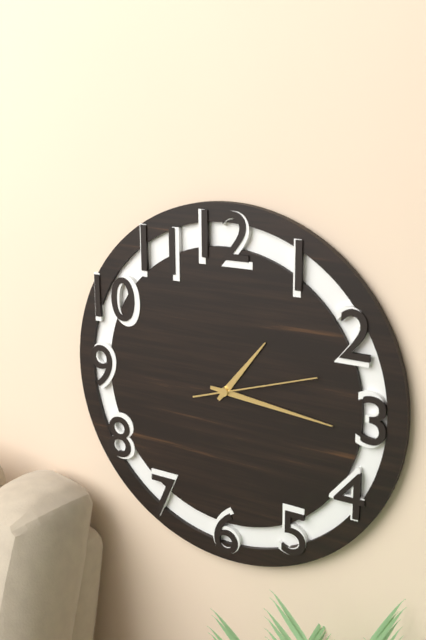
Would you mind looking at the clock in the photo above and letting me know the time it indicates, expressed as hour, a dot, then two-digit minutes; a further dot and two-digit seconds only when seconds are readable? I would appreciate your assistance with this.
1.16.12
